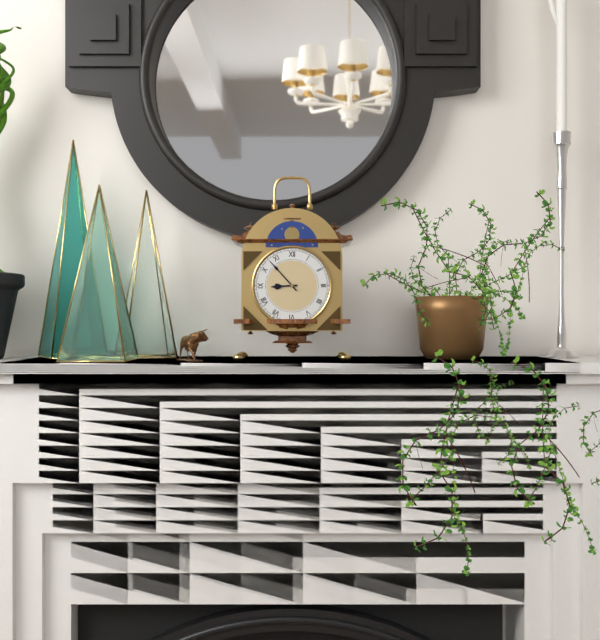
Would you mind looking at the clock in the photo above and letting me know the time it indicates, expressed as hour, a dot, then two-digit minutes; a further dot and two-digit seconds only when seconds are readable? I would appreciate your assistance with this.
8.53
